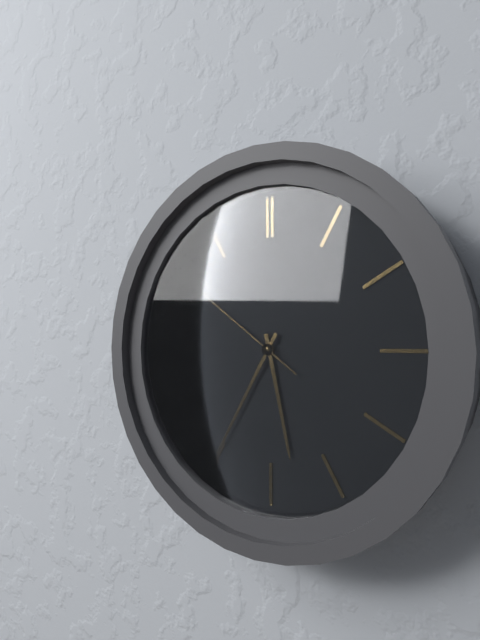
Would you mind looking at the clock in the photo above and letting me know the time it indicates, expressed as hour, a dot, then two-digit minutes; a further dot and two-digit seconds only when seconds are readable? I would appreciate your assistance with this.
5.35.51
